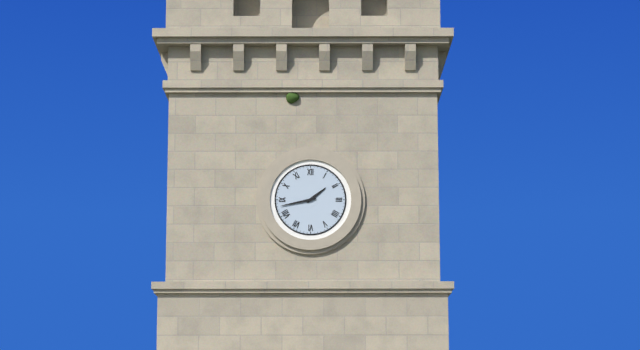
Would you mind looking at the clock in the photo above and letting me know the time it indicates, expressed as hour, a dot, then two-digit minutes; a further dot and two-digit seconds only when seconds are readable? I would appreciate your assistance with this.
1.43
